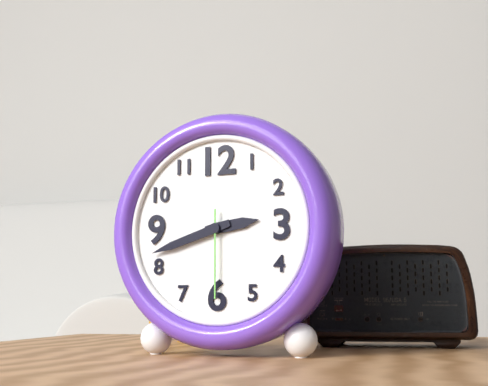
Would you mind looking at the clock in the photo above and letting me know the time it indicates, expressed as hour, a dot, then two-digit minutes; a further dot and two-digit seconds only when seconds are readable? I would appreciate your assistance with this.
2.42.30
